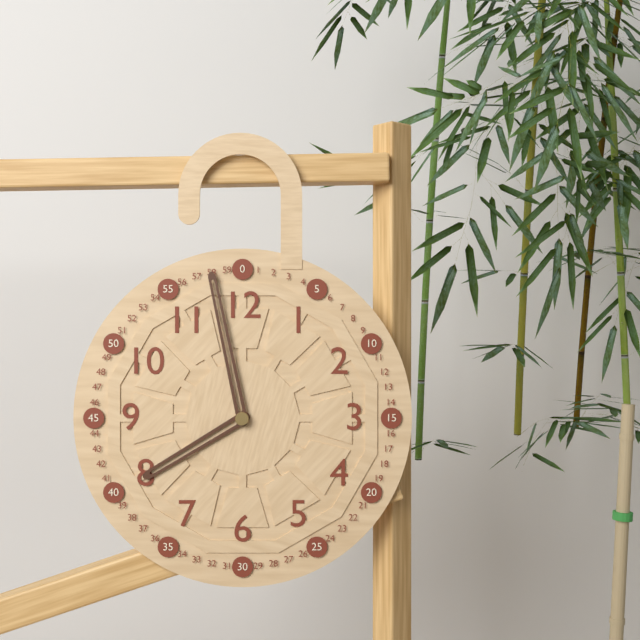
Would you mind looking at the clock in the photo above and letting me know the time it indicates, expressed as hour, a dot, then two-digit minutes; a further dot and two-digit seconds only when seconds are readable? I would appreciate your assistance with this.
7.58
